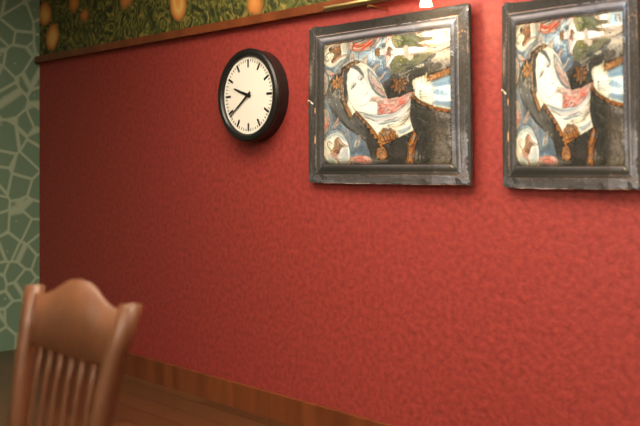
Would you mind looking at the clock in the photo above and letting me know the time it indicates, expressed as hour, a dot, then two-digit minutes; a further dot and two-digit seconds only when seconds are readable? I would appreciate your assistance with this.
9.39
